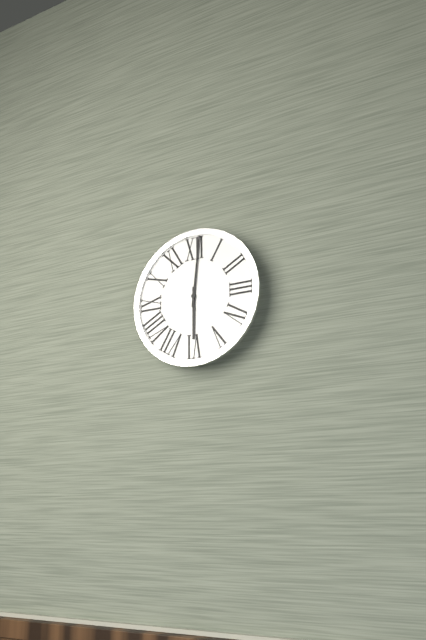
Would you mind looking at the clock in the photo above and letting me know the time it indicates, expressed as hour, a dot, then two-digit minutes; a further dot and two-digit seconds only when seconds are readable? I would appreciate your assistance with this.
6.01
